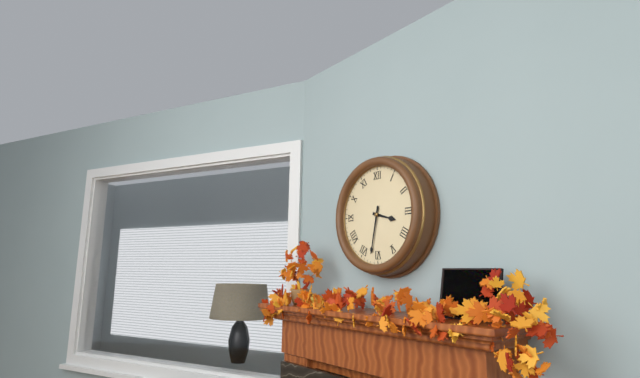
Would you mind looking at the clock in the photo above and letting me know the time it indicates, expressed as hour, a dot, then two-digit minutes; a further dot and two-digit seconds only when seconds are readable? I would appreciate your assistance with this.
3.32
